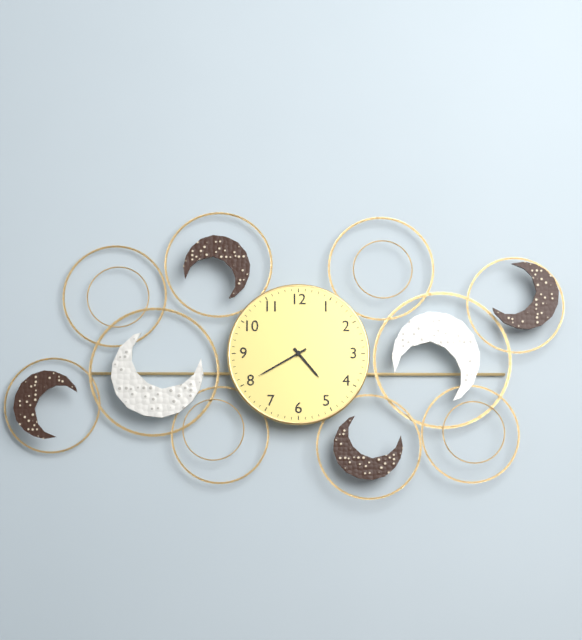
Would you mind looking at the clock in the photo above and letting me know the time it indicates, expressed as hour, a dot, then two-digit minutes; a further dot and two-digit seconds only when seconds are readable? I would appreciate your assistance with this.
4.40
